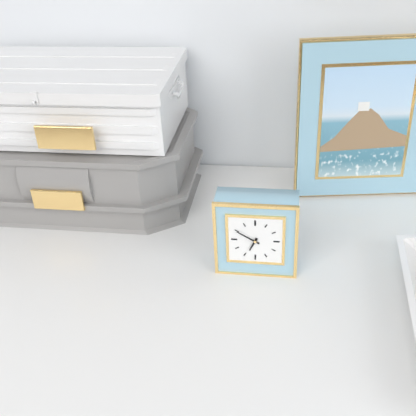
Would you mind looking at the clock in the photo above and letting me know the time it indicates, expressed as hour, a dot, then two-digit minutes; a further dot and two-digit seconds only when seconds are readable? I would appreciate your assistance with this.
6.50
